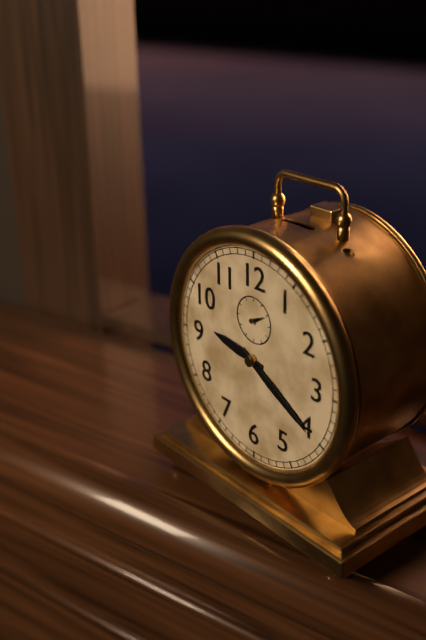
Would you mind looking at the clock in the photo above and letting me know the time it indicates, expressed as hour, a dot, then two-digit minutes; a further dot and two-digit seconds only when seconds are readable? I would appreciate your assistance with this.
9.20
